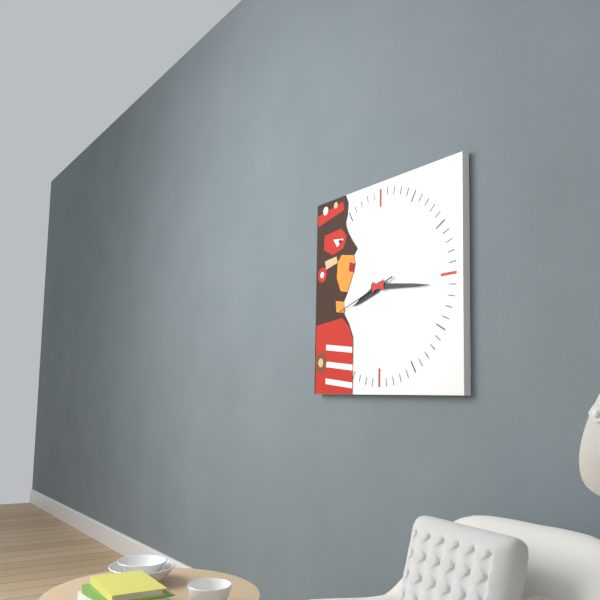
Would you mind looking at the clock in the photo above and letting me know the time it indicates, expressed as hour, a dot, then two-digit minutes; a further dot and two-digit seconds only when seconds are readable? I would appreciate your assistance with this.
8.16.42
